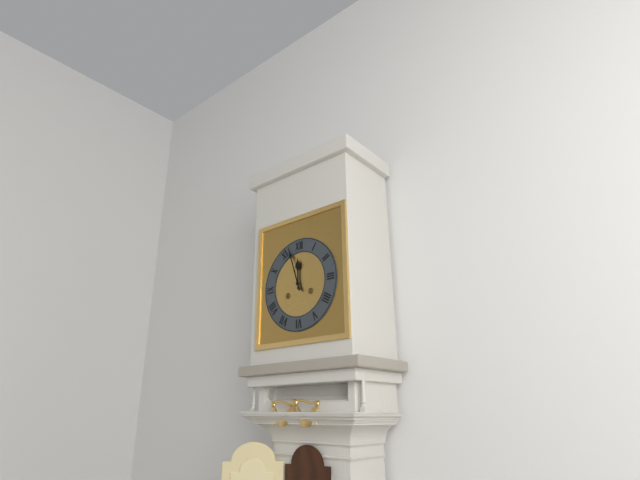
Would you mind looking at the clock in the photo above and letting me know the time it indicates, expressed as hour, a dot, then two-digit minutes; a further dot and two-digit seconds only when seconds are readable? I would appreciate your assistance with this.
11.57
